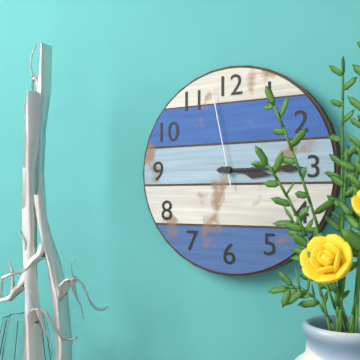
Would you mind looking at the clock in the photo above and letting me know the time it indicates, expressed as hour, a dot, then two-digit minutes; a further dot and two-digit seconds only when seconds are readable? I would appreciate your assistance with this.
3.15.58
